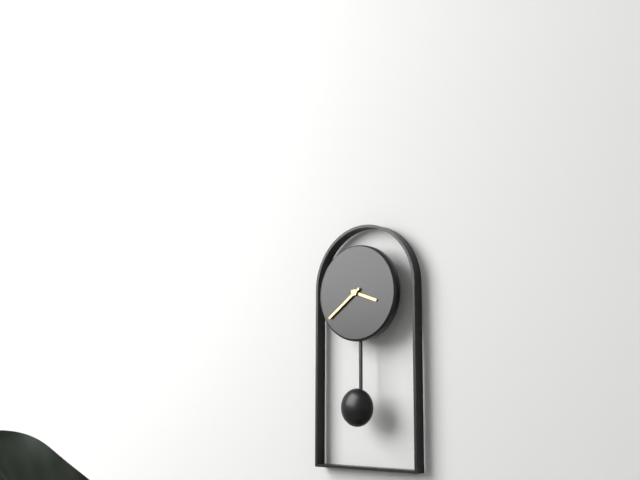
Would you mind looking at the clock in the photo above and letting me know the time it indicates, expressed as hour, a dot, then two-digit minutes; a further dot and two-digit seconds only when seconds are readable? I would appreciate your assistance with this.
3.39
